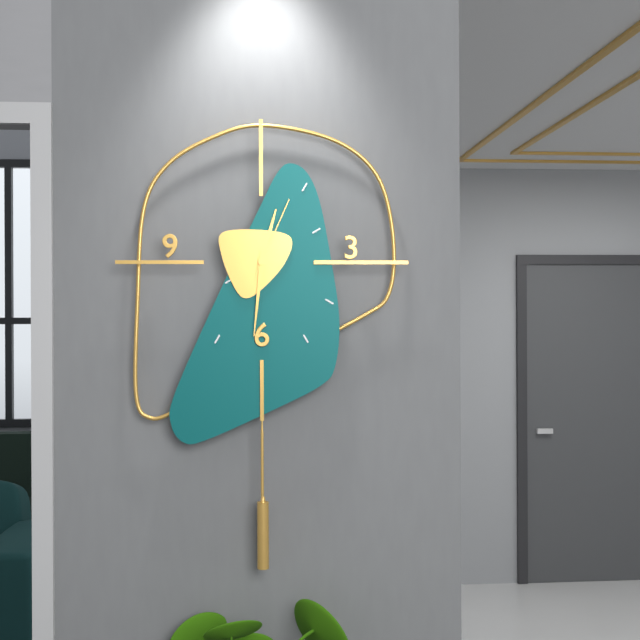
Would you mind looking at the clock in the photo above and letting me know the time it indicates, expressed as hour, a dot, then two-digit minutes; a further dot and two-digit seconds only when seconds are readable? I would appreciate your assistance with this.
12.31.04
